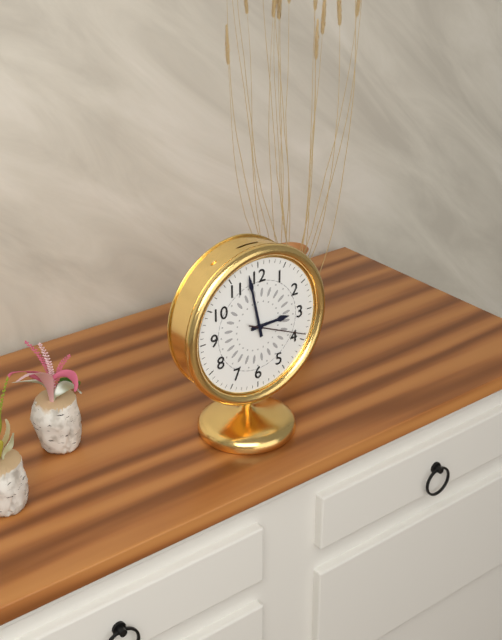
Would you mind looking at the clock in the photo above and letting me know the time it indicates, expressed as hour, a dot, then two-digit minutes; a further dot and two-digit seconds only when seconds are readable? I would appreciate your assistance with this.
2.58.19
